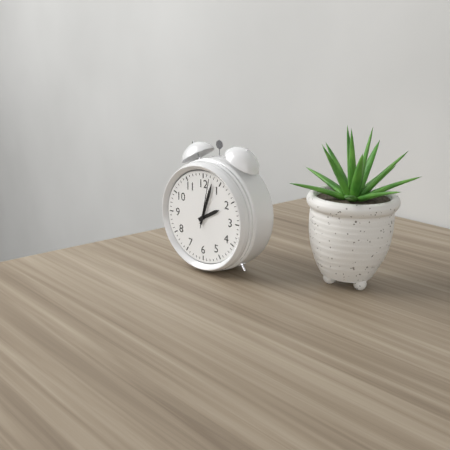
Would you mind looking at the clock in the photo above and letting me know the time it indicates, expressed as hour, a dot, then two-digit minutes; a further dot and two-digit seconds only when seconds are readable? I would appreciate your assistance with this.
2.03
